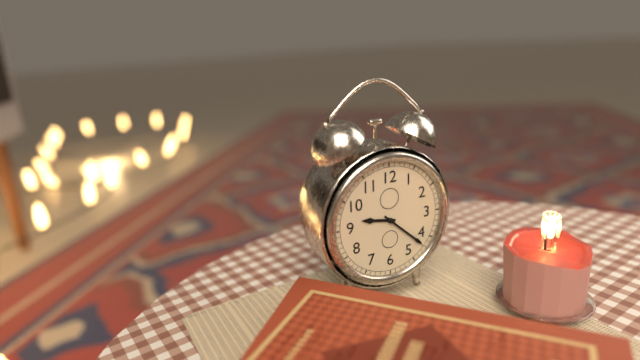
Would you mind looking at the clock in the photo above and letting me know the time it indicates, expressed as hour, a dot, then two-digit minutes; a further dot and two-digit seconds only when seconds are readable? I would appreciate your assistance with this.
9.22
